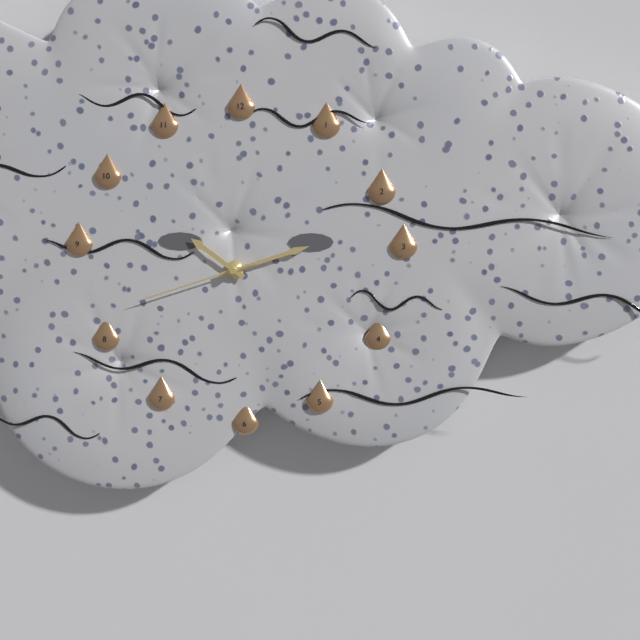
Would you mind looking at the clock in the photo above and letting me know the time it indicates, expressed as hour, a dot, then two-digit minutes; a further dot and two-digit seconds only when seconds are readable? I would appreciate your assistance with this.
10.12.42
